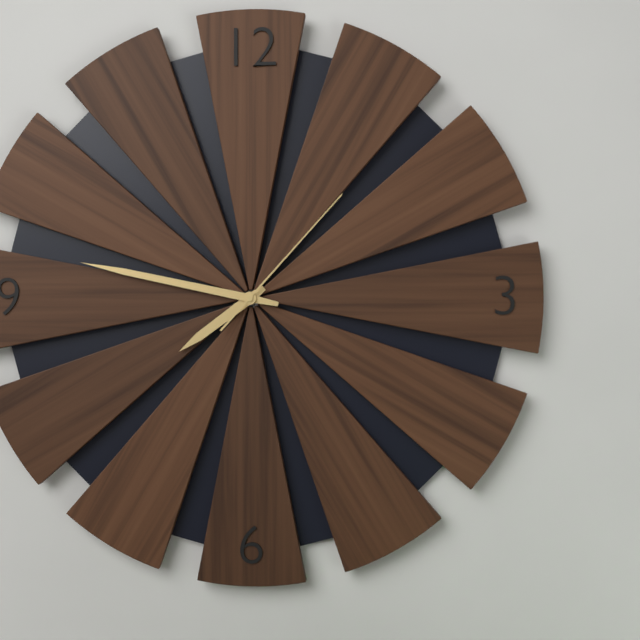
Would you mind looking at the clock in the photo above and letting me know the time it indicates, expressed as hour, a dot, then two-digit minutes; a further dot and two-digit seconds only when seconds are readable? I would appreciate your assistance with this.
7.47.07
